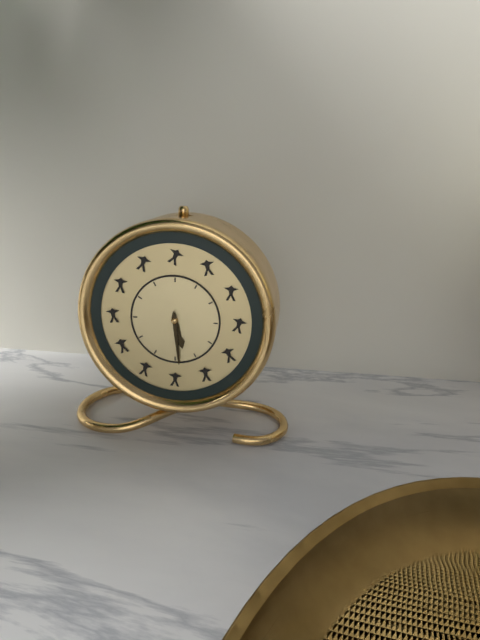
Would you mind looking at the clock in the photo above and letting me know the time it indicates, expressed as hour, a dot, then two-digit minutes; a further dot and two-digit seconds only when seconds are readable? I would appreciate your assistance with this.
5.29
